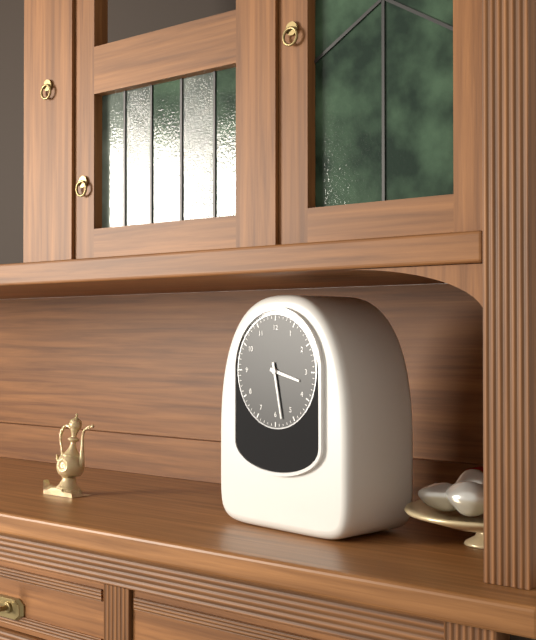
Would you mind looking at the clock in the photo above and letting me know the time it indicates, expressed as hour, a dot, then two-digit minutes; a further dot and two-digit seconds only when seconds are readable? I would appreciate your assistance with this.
3.28
